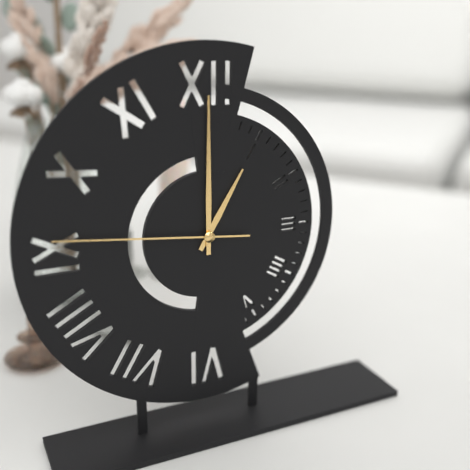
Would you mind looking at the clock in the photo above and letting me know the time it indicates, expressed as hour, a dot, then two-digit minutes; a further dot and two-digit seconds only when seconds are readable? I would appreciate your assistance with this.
1.00.46
